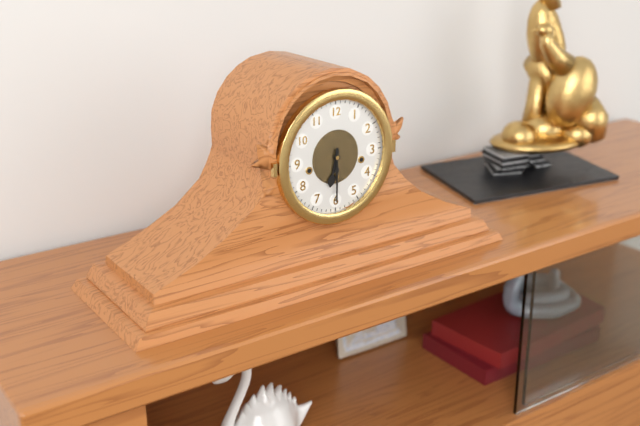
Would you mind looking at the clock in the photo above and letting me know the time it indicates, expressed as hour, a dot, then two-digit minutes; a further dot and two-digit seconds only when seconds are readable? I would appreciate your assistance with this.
6.30
